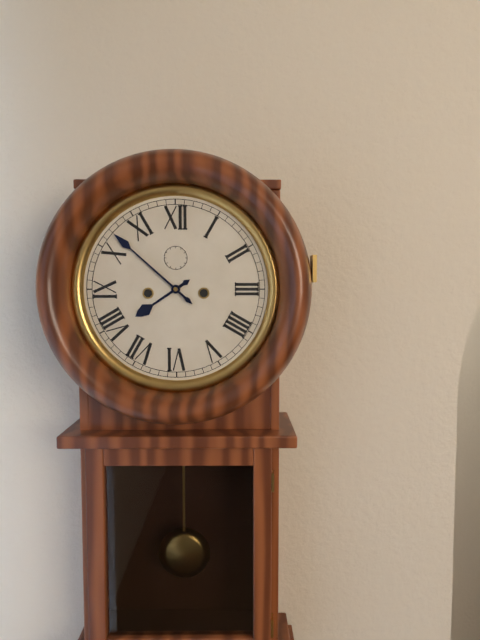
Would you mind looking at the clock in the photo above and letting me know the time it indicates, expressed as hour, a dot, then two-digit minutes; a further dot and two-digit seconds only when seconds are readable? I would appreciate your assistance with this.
7.52
